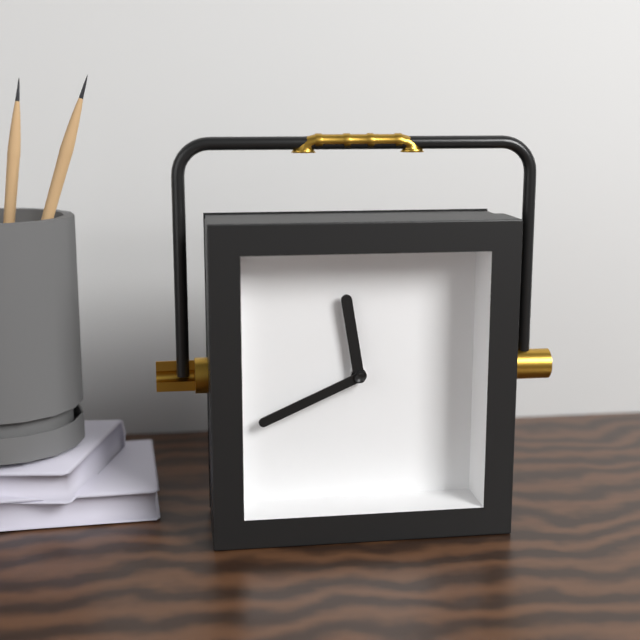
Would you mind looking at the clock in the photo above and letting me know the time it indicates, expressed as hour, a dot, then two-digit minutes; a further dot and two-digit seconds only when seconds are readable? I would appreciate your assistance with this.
11.41
